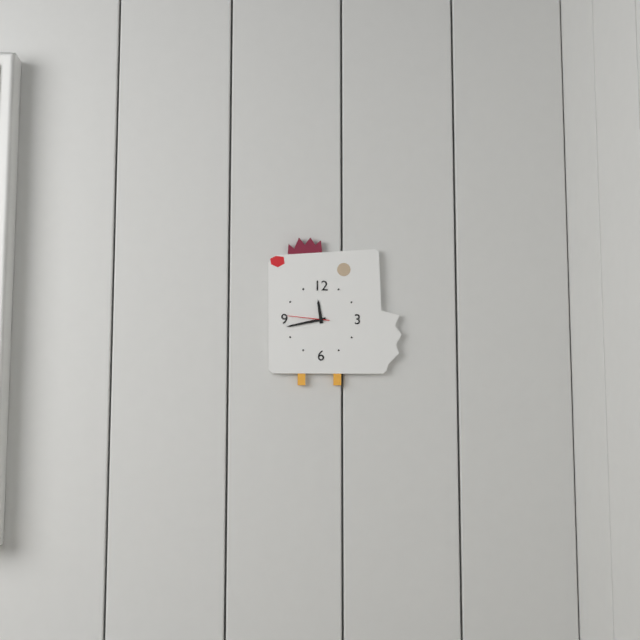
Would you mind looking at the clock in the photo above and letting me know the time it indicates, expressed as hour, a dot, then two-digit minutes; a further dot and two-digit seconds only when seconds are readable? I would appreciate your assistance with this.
11.43
